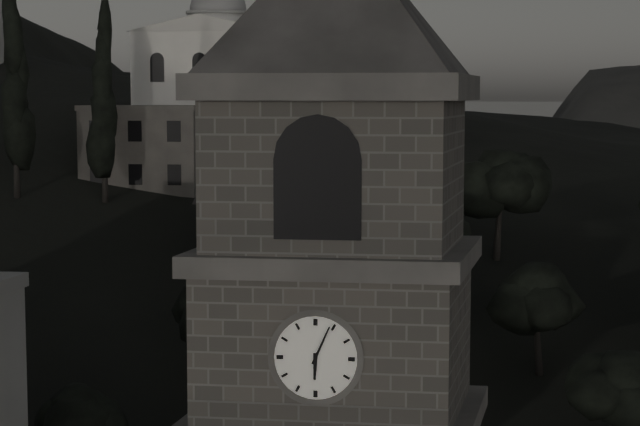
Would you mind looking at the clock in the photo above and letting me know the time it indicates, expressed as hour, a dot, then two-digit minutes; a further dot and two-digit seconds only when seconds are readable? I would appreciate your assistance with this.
6.04
